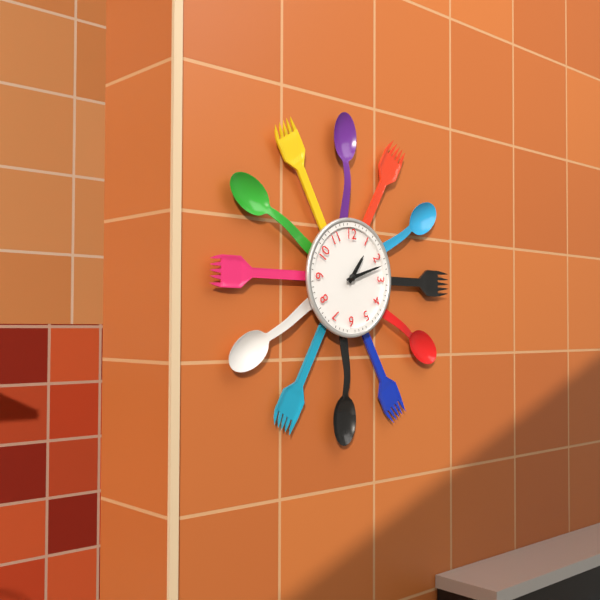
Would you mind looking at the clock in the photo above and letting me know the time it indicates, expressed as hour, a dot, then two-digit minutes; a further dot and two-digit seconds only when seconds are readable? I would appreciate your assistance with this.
1.12
